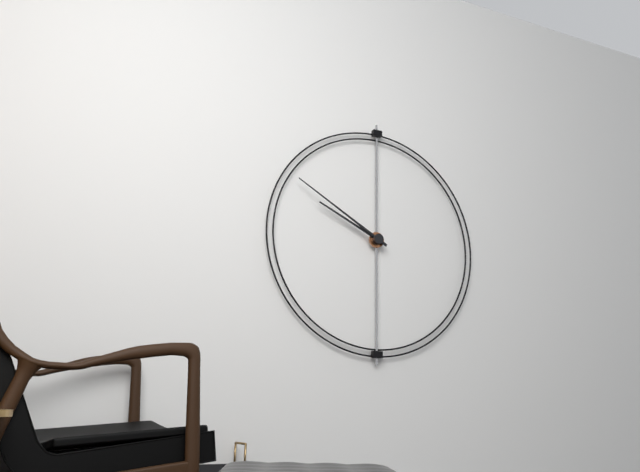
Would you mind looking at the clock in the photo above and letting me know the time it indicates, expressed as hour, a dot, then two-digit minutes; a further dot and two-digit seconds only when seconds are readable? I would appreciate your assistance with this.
9.50
